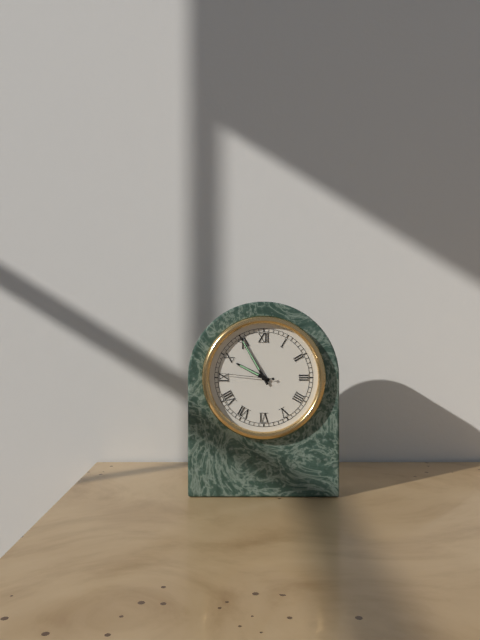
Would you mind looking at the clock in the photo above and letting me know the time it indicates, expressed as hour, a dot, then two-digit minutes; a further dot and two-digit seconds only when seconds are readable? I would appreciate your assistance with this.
9.55.46
